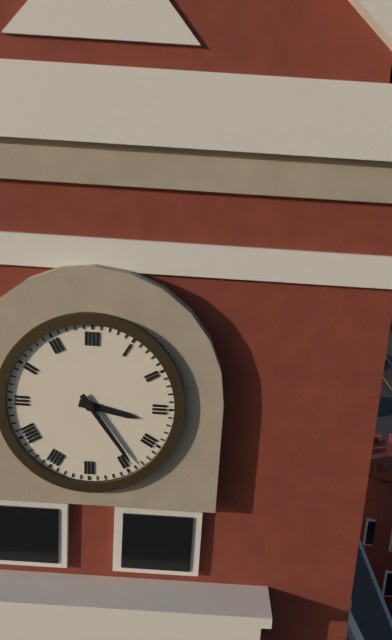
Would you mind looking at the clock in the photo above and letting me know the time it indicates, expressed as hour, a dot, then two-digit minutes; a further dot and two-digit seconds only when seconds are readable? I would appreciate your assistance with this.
3.24
